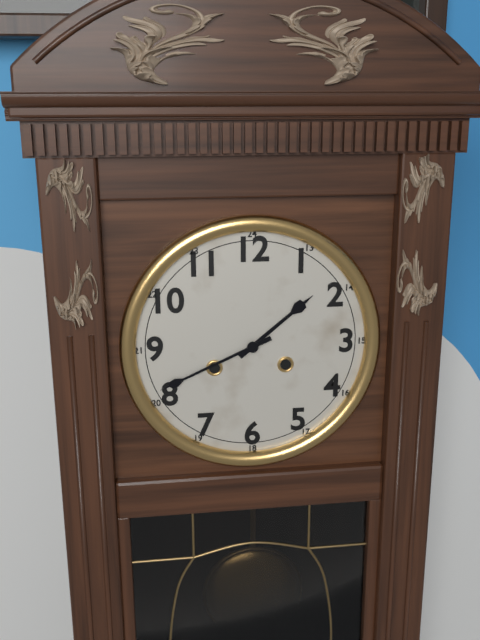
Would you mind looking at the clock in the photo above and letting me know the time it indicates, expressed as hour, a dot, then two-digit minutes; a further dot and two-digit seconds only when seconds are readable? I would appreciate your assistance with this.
1.41
